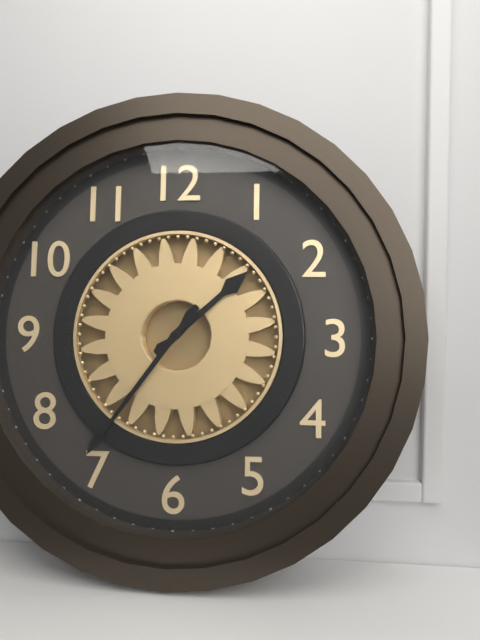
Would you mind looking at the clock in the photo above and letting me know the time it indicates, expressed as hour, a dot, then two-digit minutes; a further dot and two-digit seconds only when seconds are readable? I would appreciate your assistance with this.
1.36
